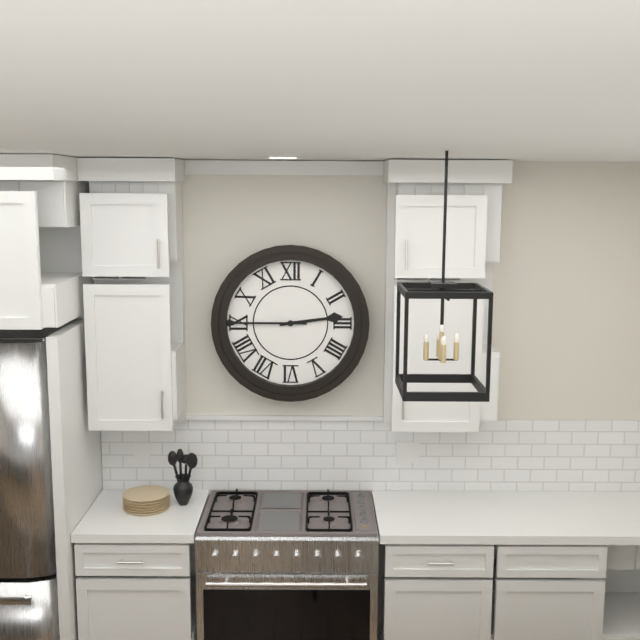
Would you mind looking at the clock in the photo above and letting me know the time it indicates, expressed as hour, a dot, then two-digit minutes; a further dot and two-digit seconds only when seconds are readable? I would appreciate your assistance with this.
2.45
